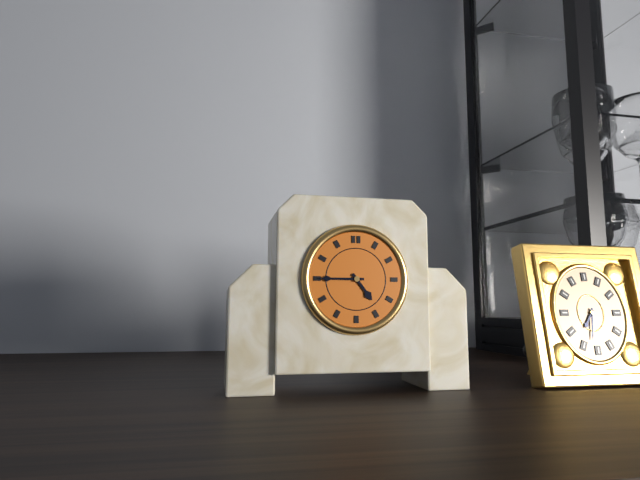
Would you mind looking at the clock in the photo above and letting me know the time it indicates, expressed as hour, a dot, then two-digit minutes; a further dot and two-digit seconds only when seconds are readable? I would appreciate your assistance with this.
4.45
